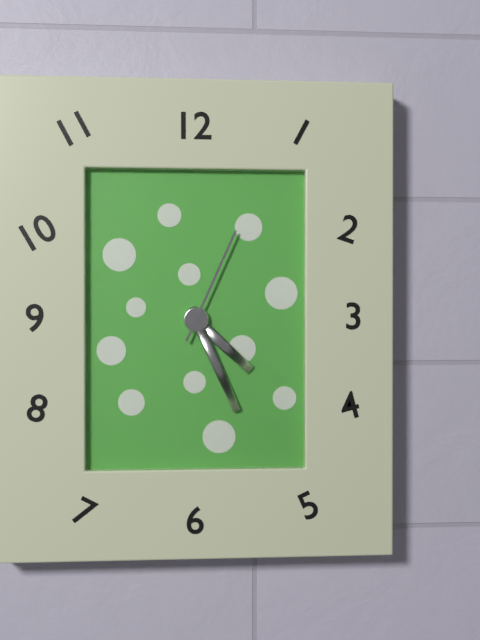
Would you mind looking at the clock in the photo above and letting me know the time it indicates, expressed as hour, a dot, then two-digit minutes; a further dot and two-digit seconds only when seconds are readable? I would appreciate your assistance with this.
4.26.04
